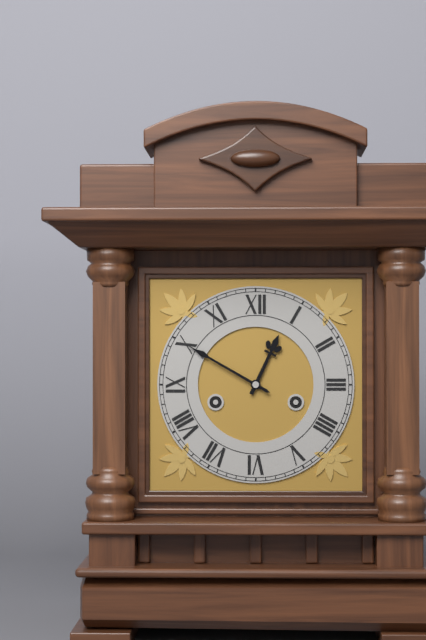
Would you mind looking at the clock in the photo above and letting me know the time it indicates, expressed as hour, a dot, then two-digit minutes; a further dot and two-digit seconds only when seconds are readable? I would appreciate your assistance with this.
12.50
